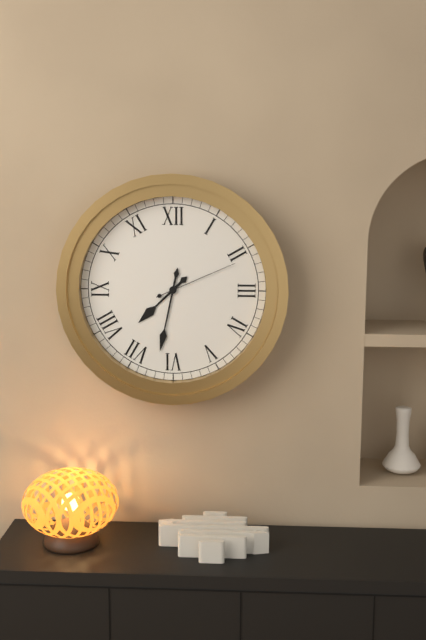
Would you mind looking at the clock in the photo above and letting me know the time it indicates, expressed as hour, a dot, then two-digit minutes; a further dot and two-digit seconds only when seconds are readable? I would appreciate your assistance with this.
7.32.11
